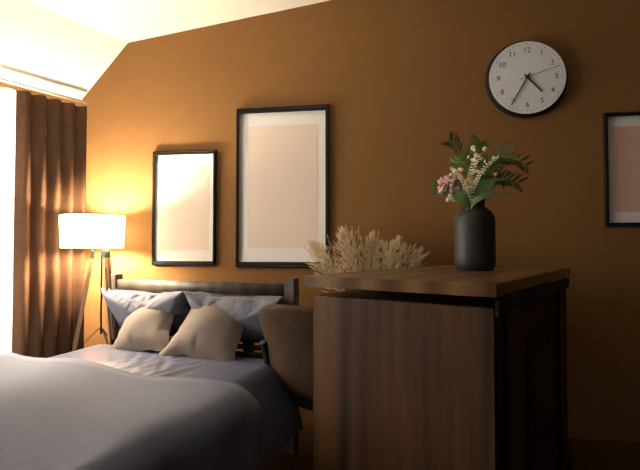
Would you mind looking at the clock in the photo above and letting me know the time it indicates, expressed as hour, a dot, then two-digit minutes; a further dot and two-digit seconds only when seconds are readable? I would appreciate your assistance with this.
4.35
